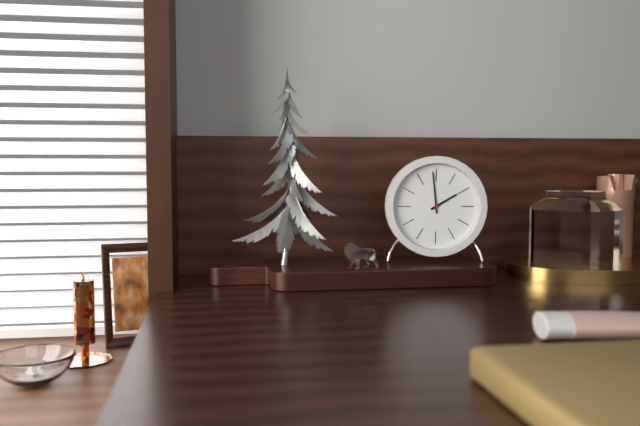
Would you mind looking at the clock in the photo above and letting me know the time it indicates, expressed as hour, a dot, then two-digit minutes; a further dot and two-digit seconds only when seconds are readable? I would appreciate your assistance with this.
1.59
